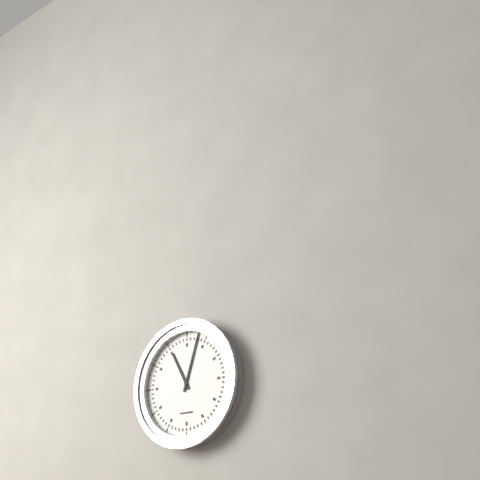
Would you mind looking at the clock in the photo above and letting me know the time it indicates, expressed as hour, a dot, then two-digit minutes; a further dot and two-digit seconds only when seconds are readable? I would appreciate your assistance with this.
11.03
